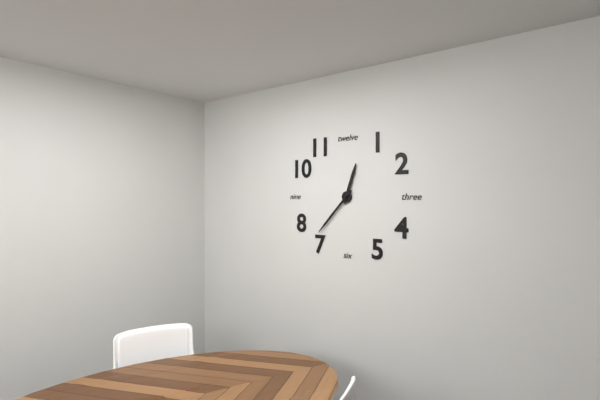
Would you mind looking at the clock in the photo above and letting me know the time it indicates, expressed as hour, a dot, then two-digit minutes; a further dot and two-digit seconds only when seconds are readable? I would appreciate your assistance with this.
12.37
